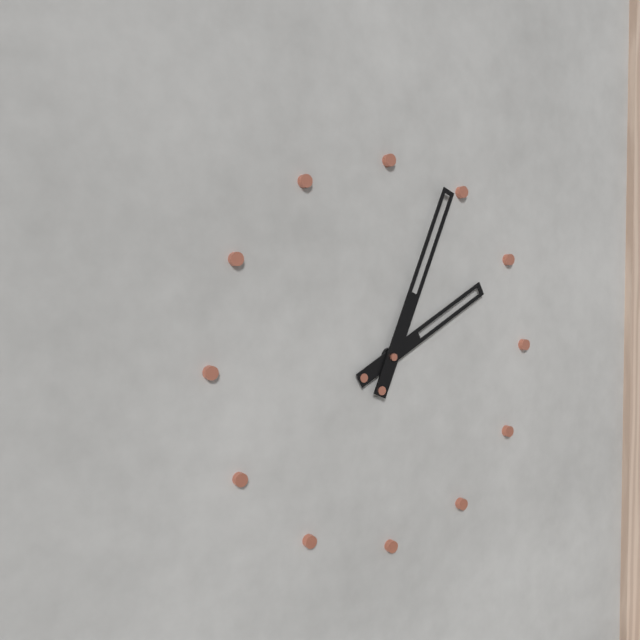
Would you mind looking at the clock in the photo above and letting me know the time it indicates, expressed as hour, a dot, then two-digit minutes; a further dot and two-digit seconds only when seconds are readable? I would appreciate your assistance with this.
2.04
